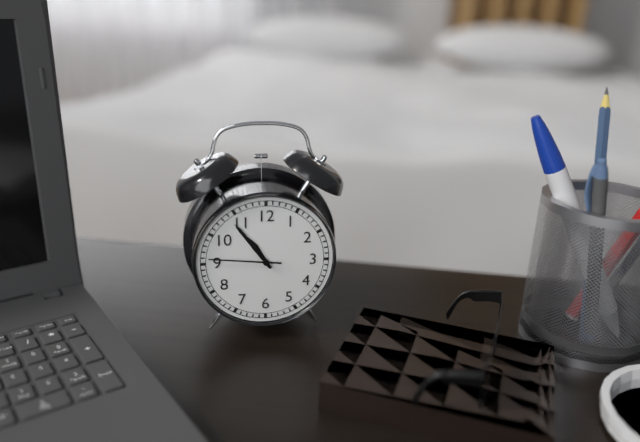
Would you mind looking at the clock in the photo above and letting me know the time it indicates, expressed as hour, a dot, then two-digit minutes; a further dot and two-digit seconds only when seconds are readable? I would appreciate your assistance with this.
10.54.46
